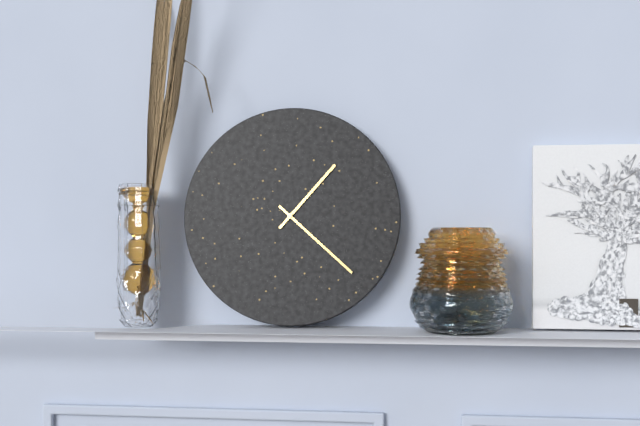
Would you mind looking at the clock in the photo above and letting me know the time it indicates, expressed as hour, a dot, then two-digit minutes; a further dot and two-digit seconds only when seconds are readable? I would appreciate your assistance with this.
1.22
